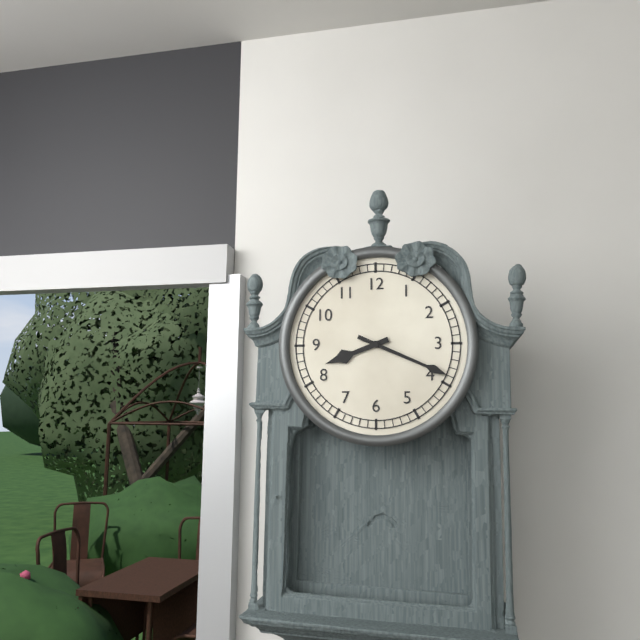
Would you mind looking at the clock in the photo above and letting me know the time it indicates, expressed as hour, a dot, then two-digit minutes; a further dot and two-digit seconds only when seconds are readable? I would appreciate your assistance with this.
8.19
